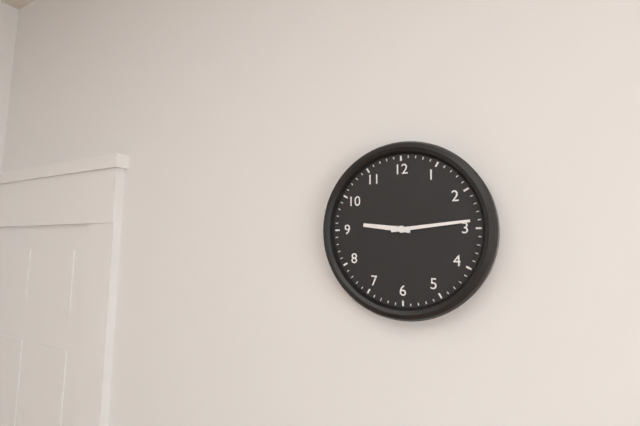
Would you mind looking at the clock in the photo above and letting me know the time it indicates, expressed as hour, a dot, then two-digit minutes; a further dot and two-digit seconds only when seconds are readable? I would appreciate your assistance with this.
9.14
